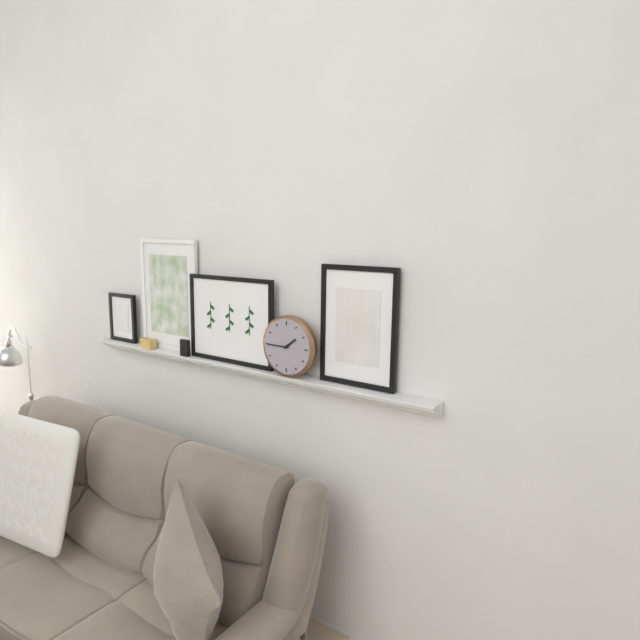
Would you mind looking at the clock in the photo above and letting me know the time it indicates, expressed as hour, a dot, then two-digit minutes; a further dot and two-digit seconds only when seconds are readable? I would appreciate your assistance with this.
1.45
